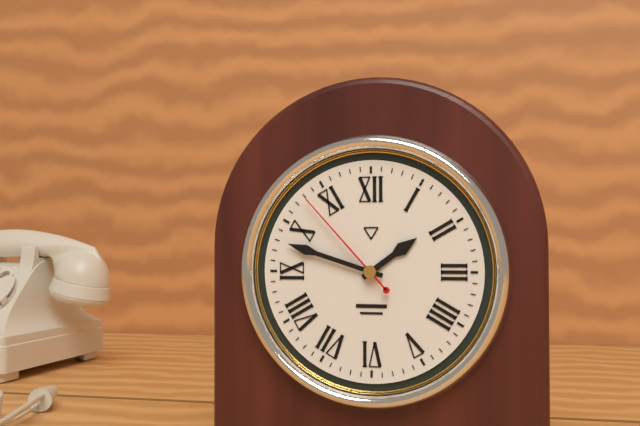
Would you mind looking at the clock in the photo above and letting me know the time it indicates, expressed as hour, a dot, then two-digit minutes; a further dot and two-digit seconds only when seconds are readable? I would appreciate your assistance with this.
1.48.53
